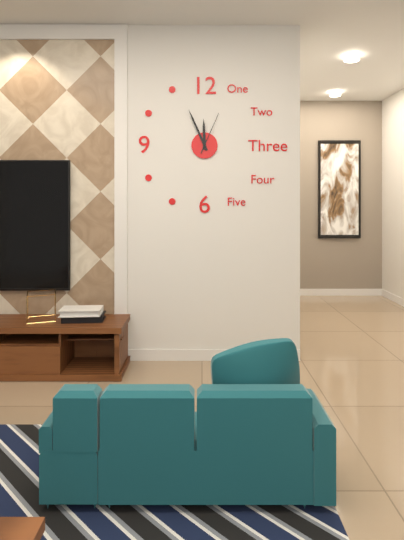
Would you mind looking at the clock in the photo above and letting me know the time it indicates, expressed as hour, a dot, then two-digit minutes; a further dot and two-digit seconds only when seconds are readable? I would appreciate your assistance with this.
11.56
